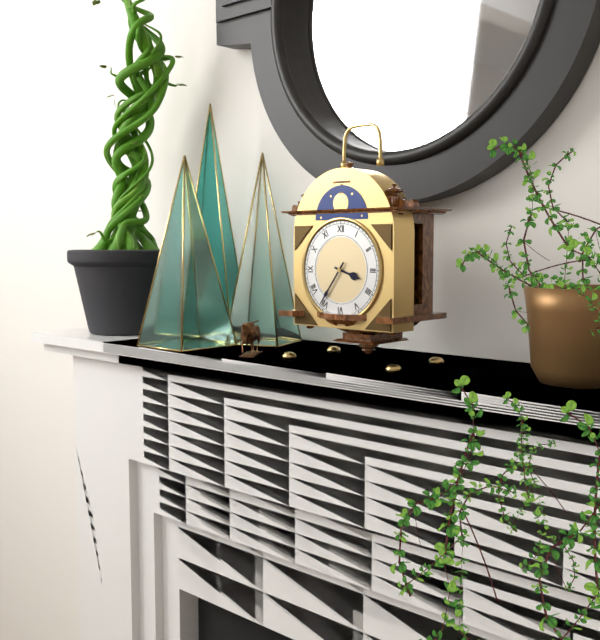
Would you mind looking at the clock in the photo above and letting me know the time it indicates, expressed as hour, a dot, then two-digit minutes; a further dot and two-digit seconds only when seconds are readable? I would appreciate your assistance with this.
3.36
